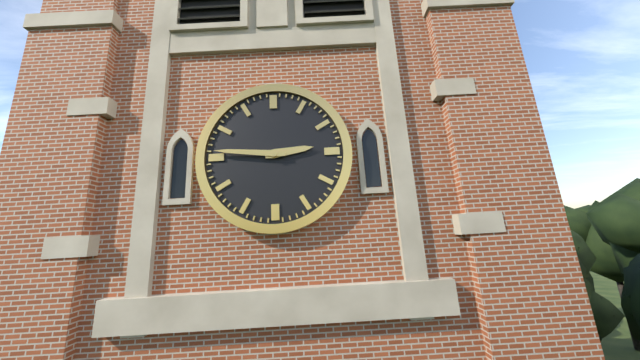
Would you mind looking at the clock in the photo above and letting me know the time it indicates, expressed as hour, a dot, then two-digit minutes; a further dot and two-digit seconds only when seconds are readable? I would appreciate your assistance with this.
2.46
